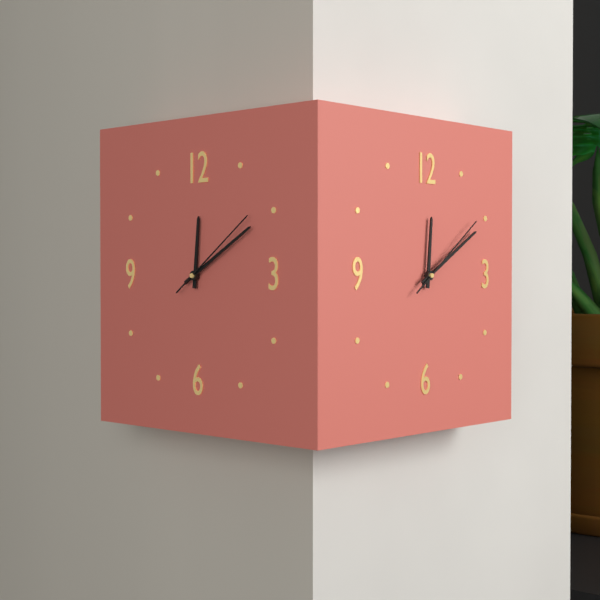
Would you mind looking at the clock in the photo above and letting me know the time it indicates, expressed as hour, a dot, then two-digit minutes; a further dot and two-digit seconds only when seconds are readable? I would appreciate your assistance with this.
12.10.09
